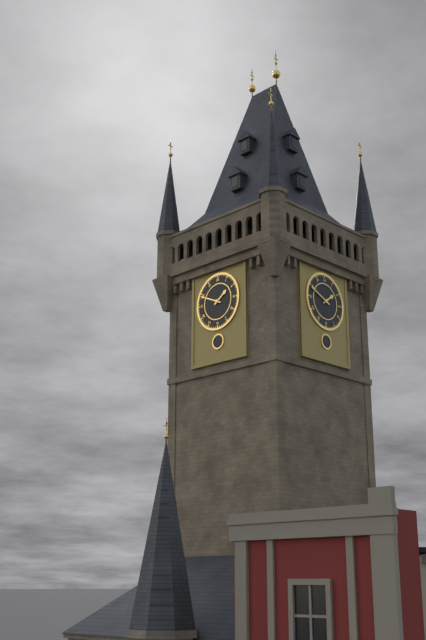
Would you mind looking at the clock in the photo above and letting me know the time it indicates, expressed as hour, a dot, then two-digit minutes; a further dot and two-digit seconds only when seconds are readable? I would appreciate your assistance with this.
1.49
